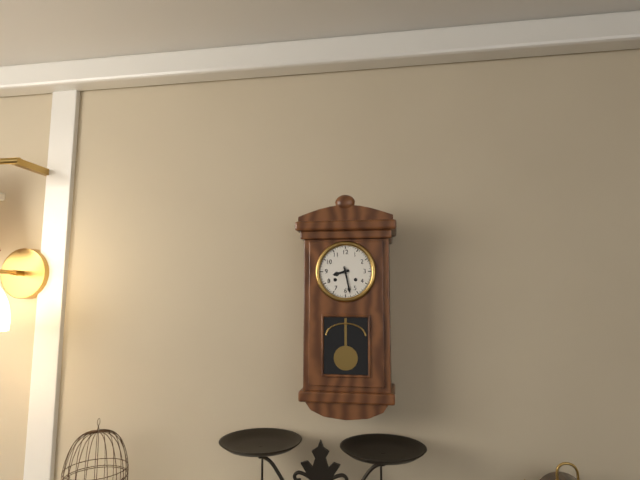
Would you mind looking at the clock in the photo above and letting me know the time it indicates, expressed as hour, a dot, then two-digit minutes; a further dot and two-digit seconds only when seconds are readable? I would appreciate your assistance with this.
8.28
